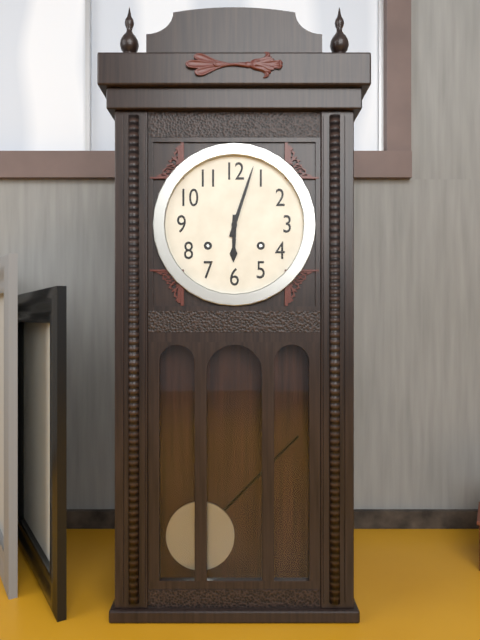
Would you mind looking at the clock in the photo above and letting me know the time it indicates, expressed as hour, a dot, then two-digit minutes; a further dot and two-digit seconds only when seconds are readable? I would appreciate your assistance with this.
6.03
